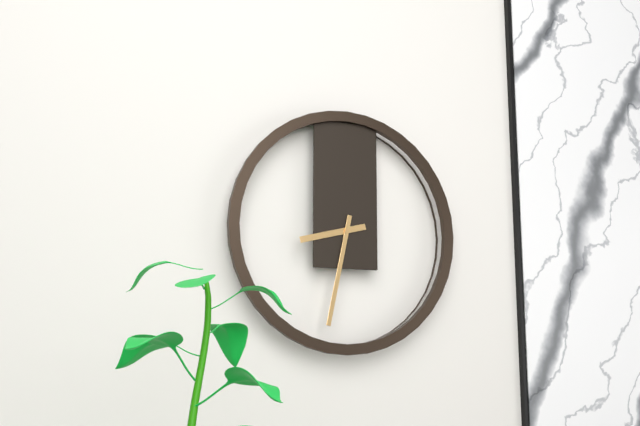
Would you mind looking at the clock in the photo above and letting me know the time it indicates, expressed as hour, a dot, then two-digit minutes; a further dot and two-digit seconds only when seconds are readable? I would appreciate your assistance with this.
8.32
